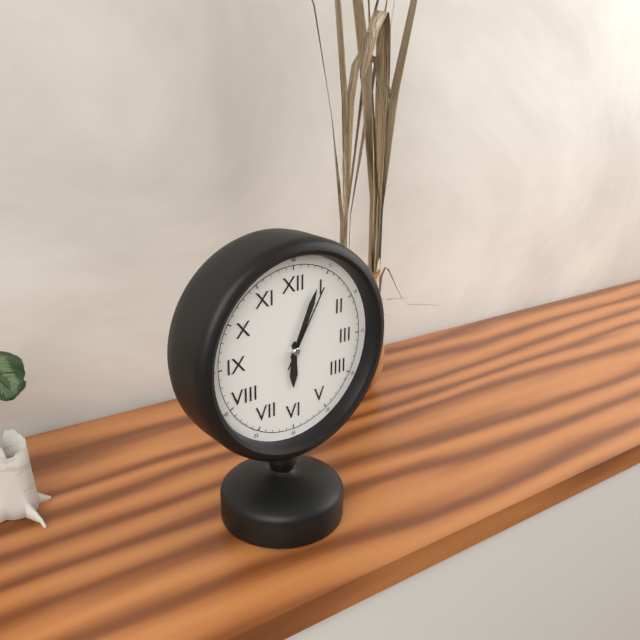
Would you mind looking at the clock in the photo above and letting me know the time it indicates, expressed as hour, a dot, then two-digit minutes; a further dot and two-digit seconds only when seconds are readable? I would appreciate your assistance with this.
6.04.05
